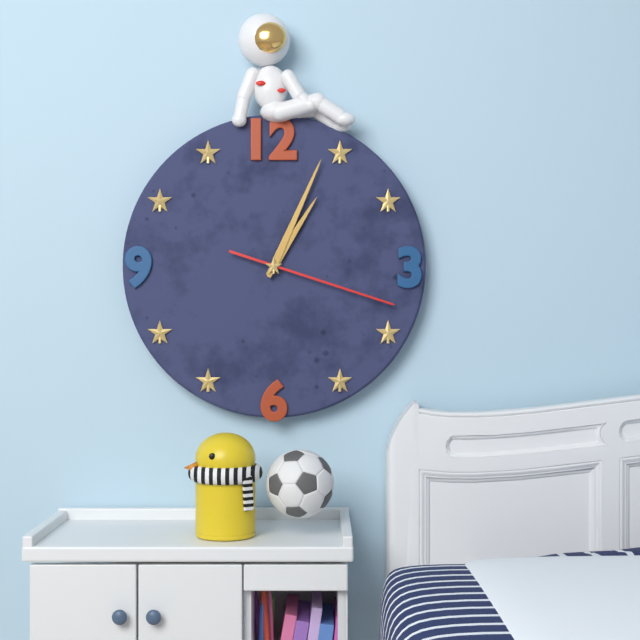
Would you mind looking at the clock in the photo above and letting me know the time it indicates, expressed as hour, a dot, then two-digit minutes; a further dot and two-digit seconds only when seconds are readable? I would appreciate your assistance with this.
1.04.18
